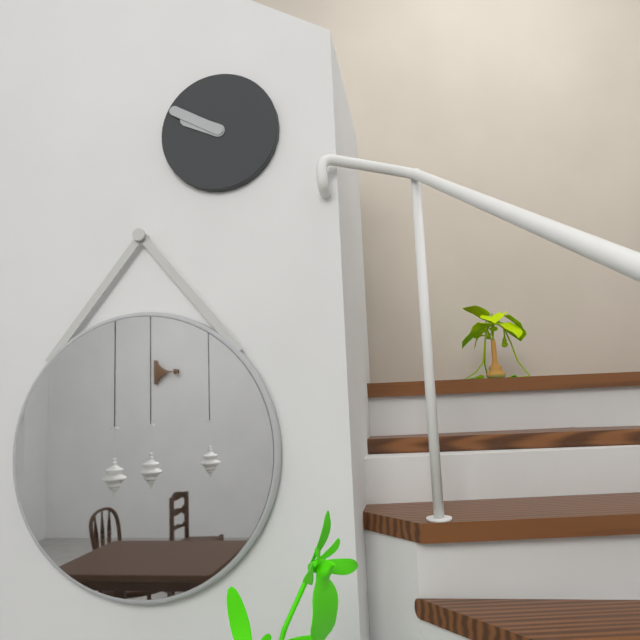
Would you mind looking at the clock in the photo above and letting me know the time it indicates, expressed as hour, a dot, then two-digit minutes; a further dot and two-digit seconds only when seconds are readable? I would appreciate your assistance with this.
9.50
